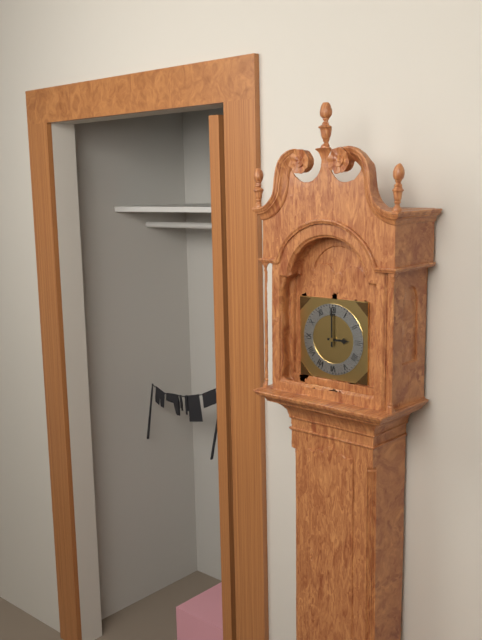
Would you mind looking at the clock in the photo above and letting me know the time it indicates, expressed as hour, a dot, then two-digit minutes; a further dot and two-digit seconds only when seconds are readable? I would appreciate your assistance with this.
3.00
